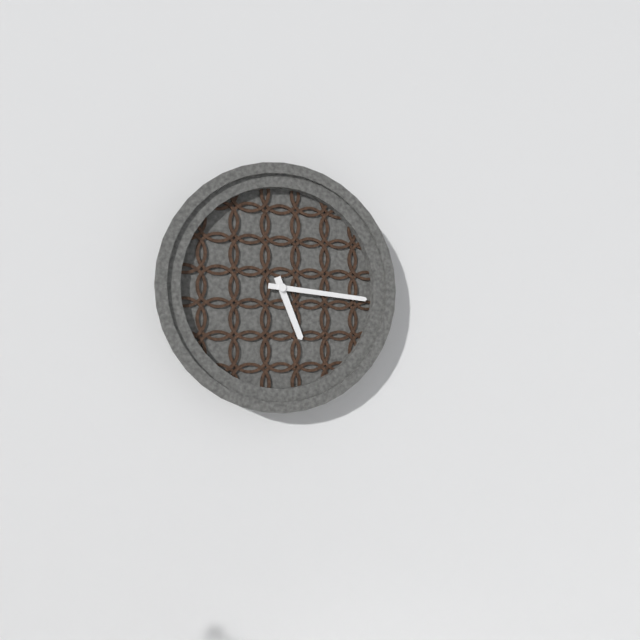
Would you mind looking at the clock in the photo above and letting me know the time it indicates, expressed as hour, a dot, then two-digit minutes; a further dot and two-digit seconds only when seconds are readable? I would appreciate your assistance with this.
5.16
